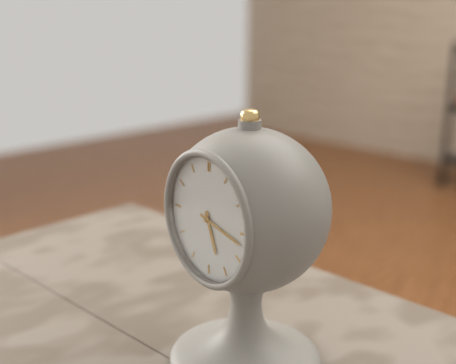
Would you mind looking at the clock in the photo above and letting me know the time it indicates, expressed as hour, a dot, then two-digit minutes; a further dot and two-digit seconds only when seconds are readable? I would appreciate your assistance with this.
5.17
